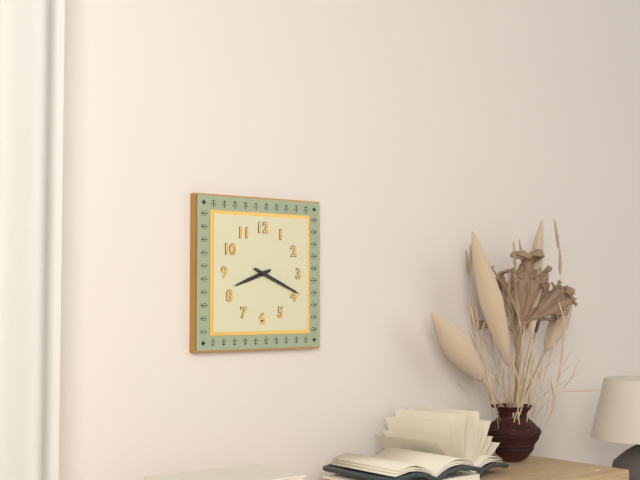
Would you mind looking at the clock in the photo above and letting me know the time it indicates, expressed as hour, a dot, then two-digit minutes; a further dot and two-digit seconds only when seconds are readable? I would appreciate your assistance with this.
8.19
